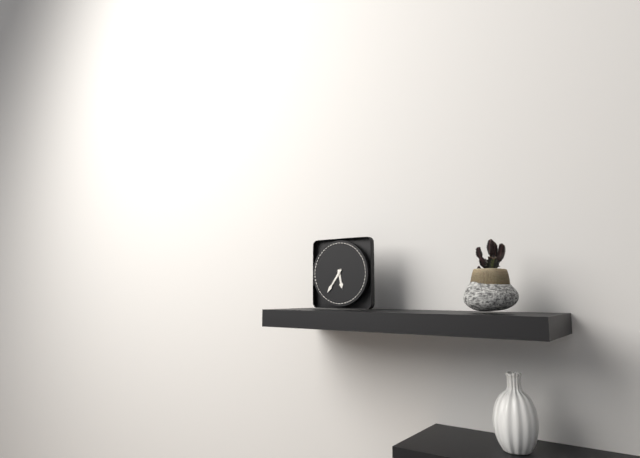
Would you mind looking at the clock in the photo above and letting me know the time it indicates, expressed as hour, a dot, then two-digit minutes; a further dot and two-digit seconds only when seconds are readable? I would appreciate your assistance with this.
5.36
